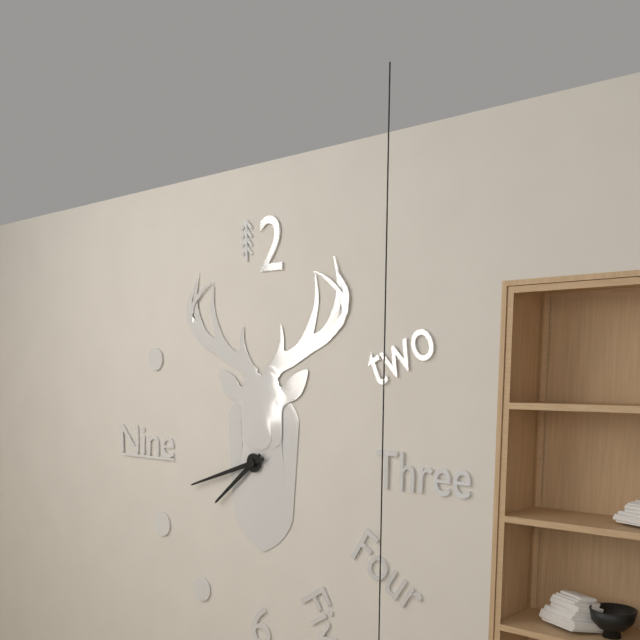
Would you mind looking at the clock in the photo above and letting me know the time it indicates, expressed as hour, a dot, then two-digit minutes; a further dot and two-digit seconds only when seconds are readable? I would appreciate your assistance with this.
7.42
